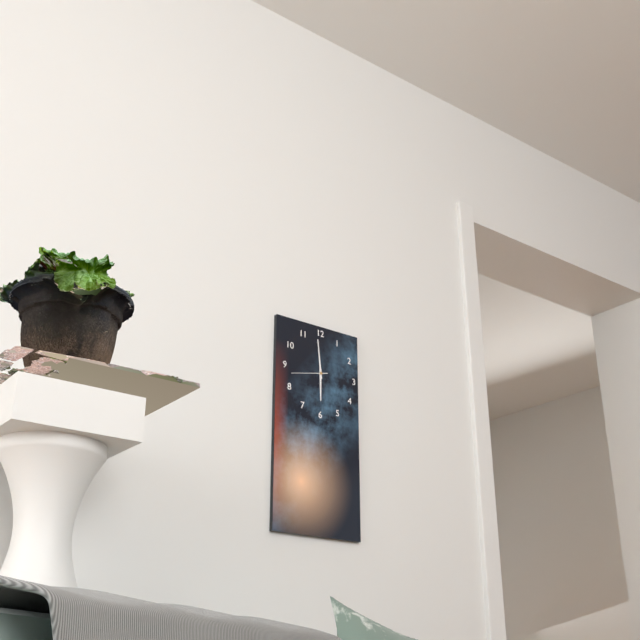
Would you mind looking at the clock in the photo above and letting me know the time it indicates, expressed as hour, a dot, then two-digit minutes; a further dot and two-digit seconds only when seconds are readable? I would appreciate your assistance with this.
5.59
